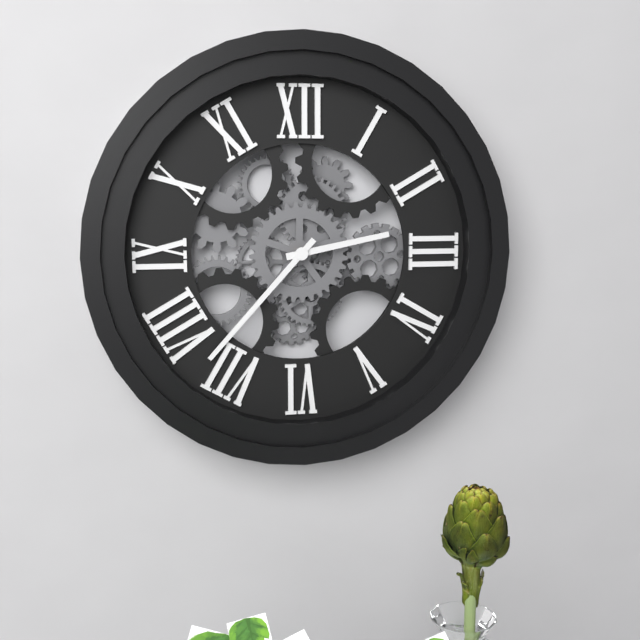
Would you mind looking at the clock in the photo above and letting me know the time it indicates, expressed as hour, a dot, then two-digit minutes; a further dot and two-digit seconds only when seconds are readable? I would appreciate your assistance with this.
2.37
